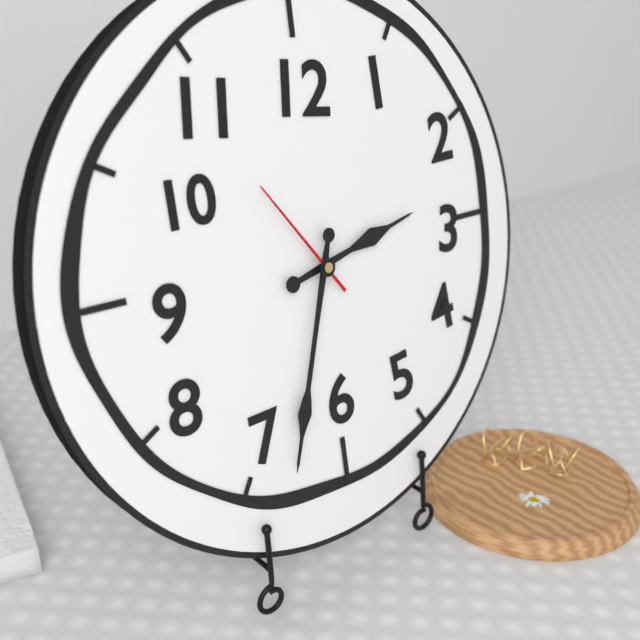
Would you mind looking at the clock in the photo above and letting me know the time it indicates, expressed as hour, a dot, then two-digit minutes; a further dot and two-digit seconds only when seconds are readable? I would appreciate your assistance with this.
2.33.54
